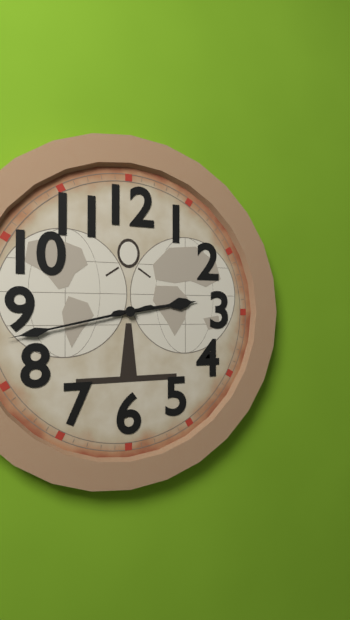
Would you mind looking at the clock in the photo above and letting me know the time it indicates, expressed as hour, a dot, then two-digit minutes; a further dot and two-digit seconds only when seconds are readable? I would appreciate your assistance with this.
2.43
